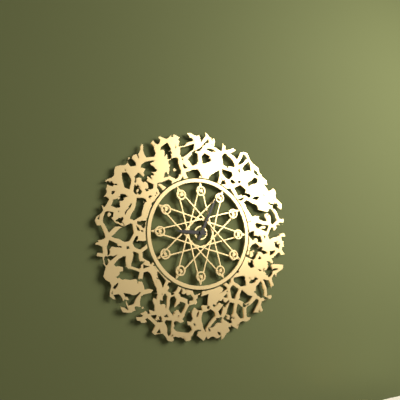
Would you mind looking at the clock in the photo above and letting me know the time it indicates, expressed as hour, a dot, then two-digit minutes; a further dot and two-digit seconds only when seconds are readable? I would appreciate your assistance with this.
9.04
